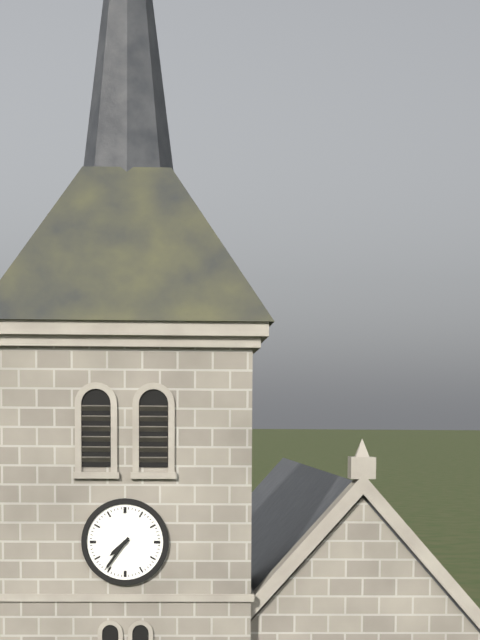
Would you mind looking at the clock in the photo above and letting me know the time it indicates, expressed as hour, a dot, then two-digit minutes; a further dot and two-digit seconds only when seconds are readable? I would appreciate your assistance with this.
7.36
